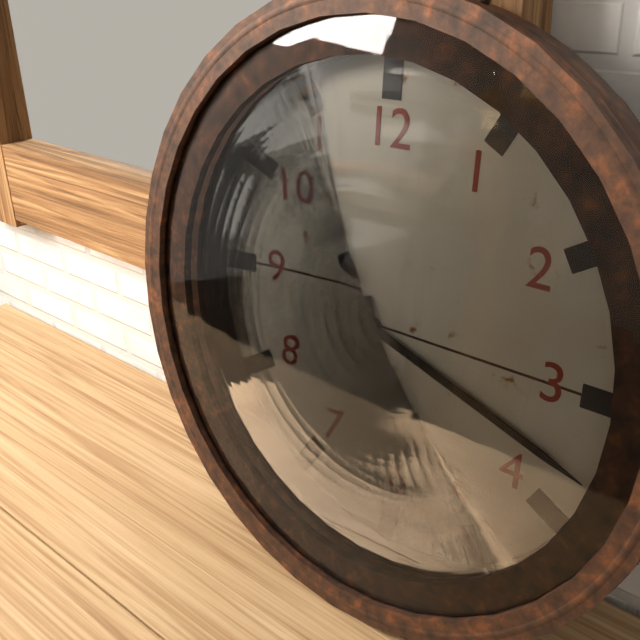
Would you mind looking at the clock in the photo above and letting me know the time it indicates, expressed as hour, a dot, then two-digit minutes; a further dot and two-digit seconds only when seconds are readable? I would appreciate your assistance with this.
5.18
